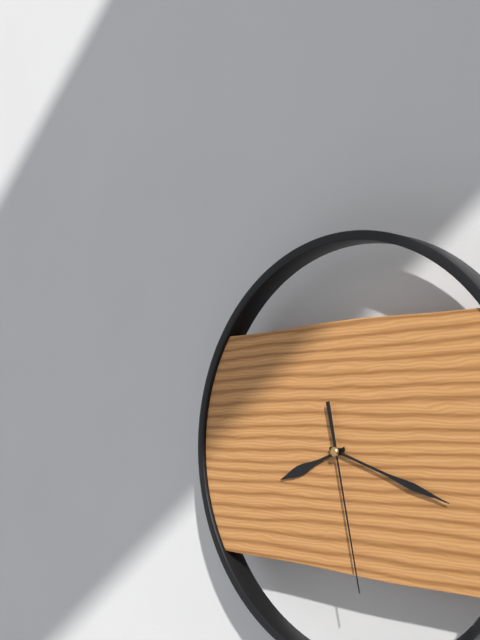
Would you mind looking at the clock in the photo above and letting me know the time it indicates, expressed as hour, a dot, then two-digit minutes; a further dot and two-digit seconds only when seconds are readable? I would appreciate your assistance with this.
8.18.28
